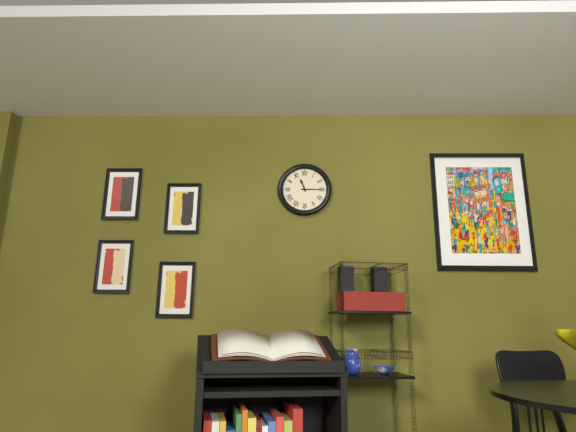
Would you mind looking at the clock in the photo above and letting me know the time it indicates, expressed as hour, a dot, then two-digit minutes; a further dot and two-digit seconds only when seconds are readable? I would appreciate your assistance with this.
11.15
